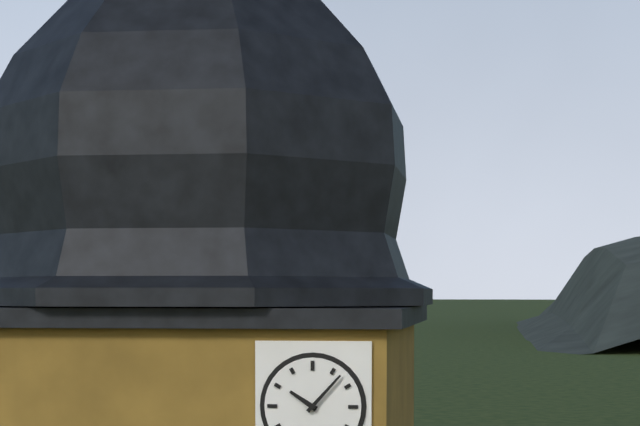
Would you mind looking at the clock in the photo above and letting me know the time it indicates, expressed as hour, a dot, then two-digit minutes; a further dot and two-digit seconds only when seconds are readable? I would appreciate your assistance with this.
10.07
